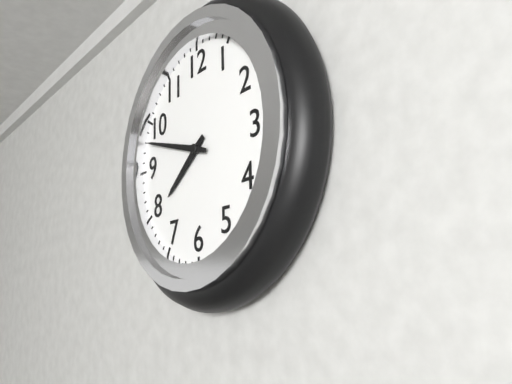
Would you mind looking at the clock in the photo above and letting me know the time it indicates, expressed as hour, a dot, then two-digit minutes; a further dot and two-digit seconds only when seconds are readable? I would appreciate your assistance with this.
7.48
